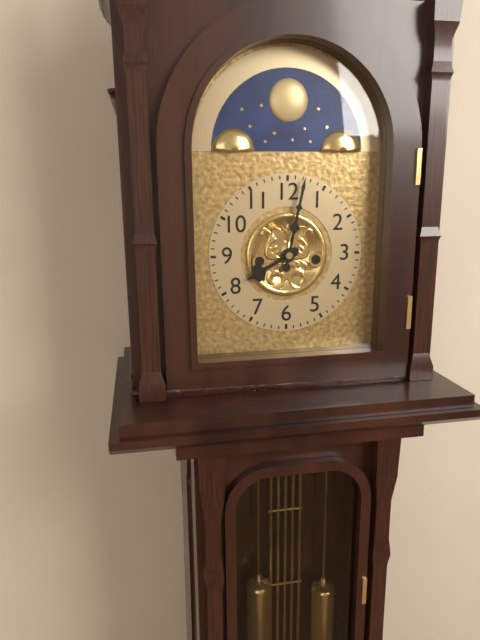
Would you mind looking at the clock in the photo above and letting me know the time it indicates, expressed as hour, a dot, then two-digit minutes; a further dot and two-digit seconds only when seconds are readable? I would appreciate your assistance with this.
8.02
